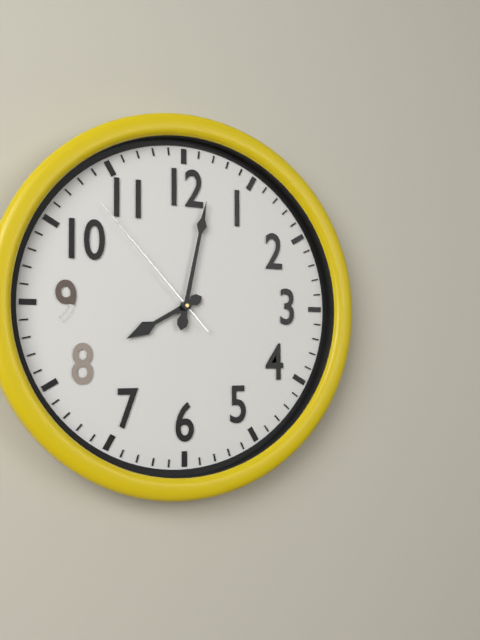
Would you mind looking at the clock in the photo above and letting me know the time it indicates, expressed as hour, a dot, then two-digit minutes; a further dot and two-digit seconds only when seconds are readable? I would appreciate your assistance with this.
8.02.53
